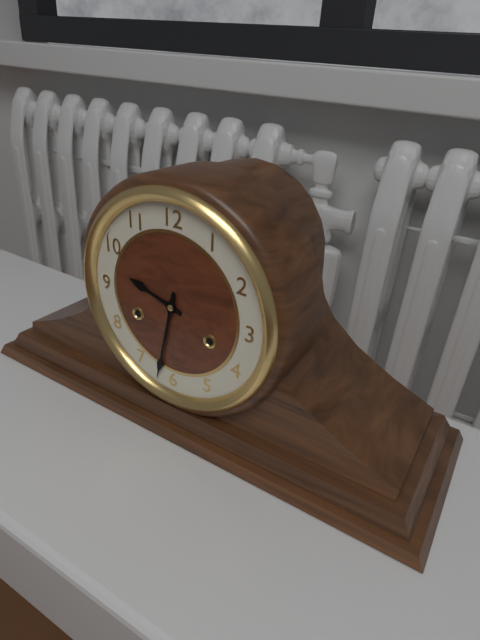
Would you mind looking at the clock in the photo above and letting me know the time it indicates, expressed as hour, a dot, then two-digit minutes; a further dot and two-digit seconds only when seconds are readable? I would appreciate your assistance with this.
9.32
